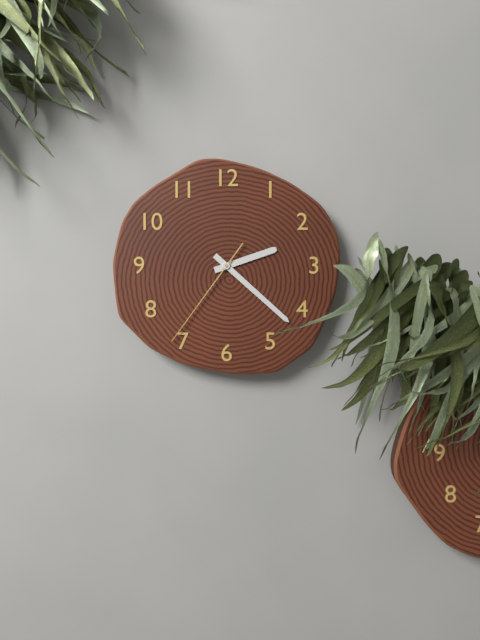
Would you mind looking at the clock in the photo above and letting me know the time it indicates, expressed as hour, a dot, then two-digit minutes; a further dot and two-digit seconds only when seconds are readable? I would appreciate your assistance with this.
2.22.36
